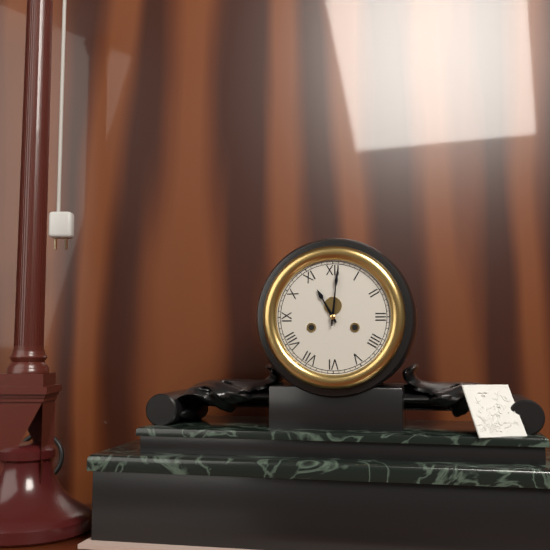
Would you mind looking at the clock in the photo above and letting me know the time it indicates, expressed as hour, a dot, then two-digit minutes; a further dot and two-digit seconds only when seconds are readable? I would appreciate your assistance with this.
11.01
